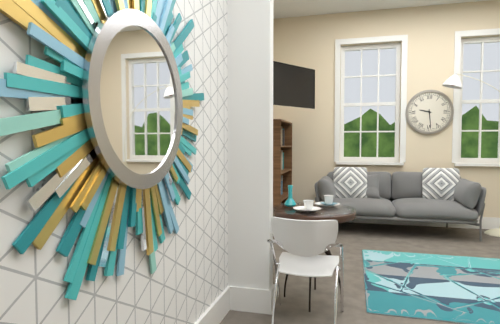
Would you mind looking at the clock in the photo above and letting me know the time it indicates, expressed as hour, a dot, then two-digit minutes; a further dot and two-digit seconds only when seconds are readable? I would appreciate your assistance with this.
9.29
